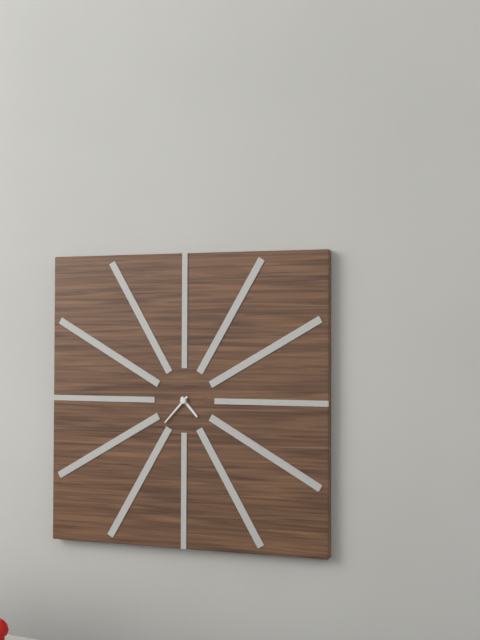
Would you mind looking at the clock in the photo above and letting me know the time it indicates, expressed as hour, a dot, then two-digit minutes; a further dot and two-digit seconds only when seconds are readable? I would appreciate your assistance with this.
4.37
